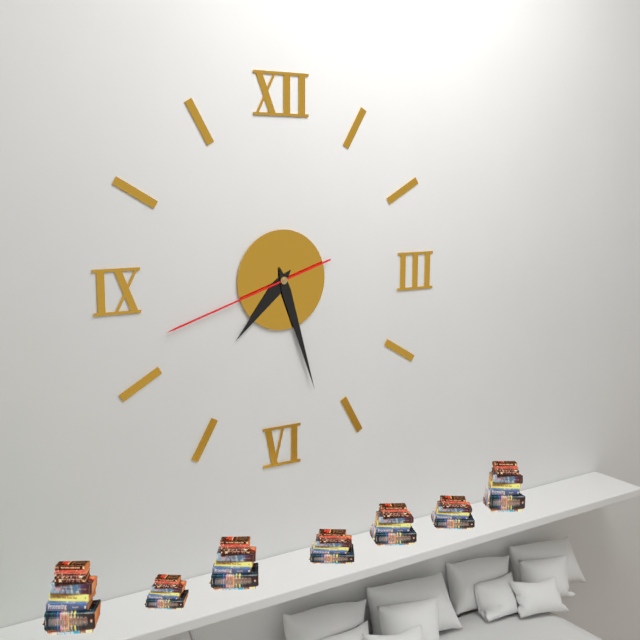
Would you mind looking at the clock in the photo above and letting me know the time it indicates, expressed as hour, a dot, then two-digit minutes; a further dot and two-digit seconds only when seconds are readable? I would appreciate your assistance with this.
7.27.42
